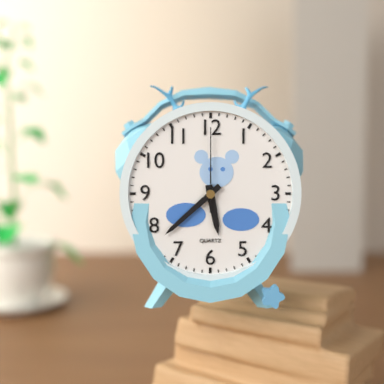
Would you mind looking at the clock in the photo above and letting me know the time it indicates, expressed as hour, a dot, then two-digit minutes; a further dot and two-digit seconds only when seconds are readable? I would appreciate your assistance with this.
5.38.00
